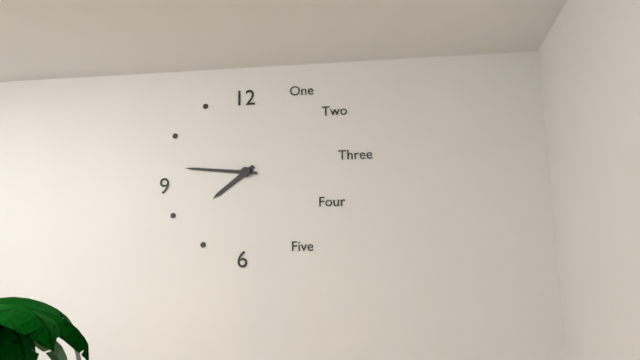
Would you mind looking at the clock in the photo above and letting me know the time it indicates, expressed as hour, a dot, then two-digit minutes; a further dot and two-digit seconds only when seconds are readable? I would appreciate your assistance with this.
7.46
